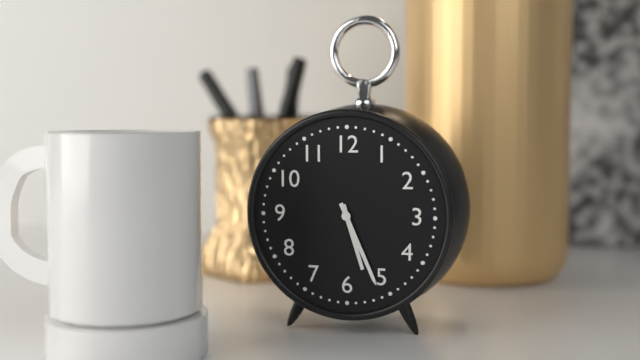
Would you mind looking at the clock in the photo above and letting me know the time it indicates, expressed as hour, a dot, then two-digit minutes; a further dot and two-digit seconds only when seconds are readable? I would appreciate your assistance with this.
5.26
